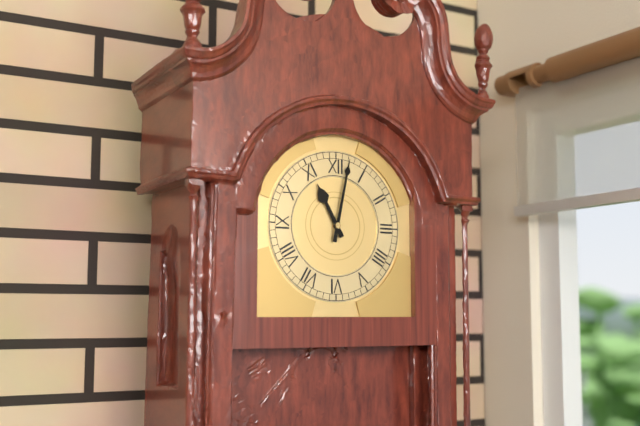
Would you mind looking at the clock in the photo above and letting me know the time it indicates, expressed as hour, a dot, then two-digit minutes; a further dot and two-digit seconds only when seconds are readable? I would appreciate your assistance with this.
11.02
